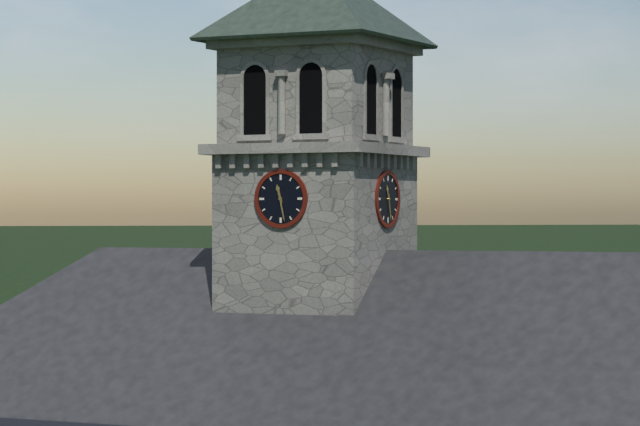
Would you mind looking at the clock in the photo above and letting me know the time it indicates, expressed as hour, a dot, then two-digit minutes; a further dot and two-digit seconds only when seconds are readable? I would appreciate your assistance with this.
11.28
